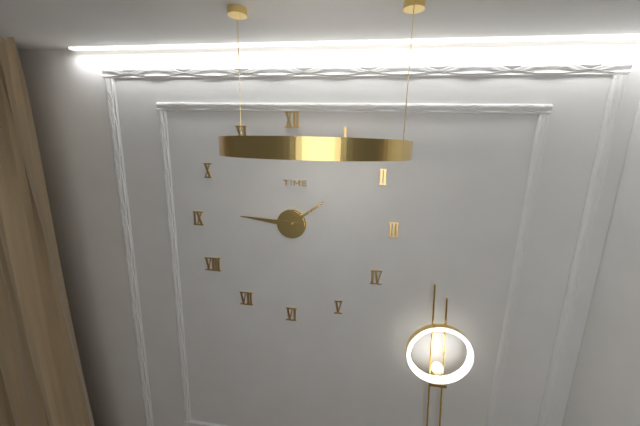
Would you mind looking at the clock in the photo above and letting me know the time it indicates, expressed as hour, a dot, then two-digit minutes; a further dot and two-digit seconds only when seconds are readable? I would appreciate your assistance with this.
1.46
